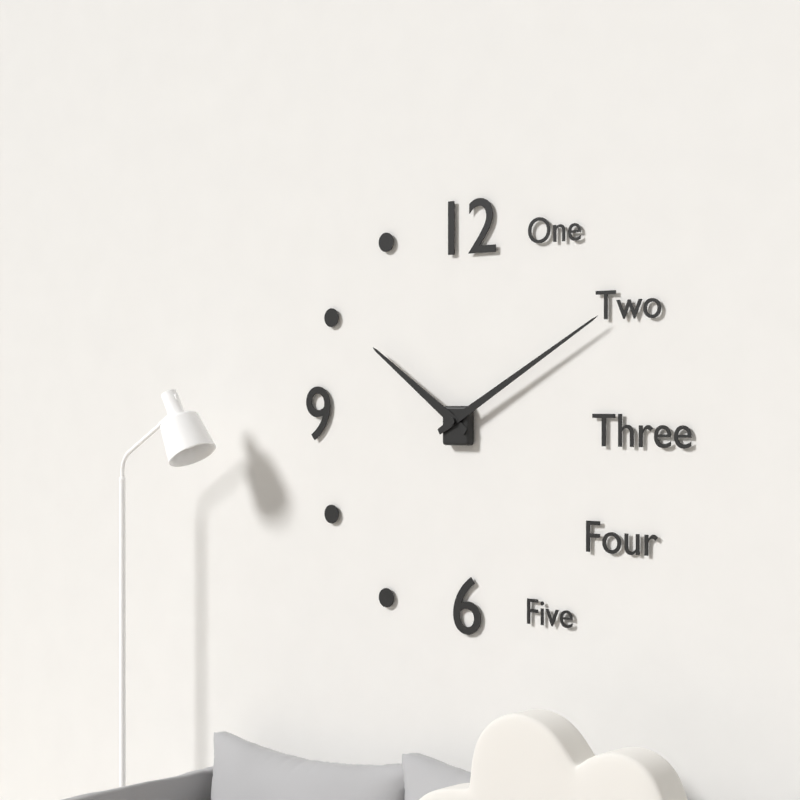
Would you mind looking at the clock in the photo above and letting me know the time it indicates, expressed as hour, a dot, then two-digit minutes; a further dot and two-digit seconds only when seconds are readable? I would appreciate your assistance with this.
10.10
